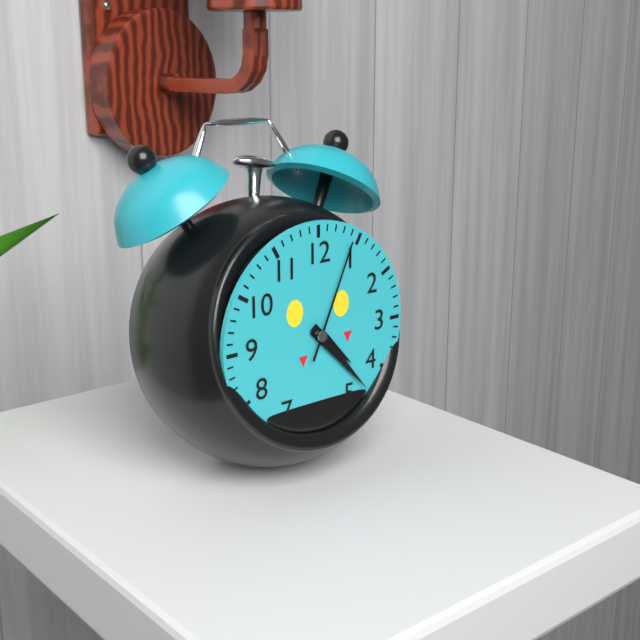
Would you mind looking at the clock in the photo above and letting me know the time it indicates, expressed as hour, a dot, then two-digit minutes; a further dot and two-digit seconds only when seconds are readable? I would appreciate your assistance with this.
4.23.04
